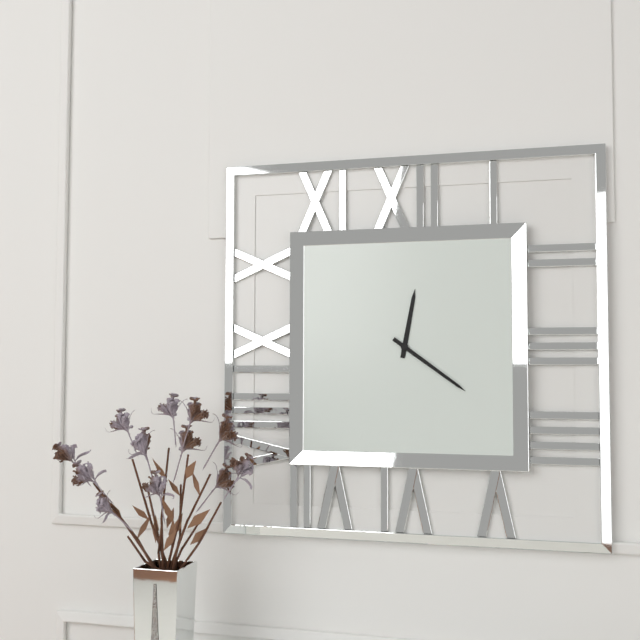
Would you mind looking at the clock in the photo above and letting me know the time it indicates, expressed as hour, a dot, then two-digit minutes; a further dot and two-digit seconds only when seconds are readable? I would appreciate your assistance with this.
12.21
